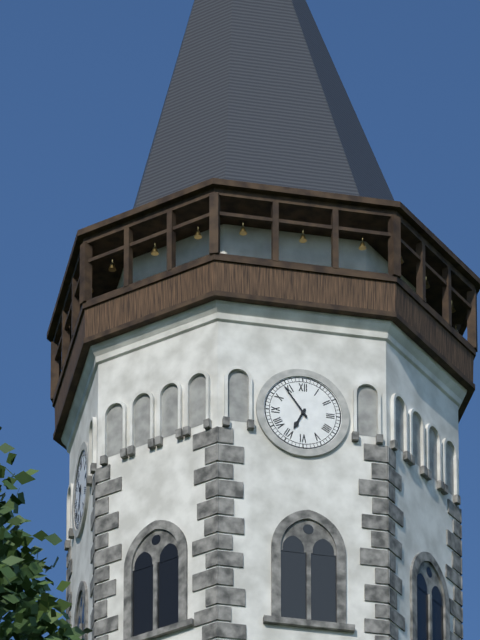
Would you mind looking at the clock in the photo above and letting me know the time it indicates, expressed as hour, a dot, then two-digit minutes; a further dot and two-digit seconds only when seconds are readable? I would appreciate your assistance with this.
6.54
